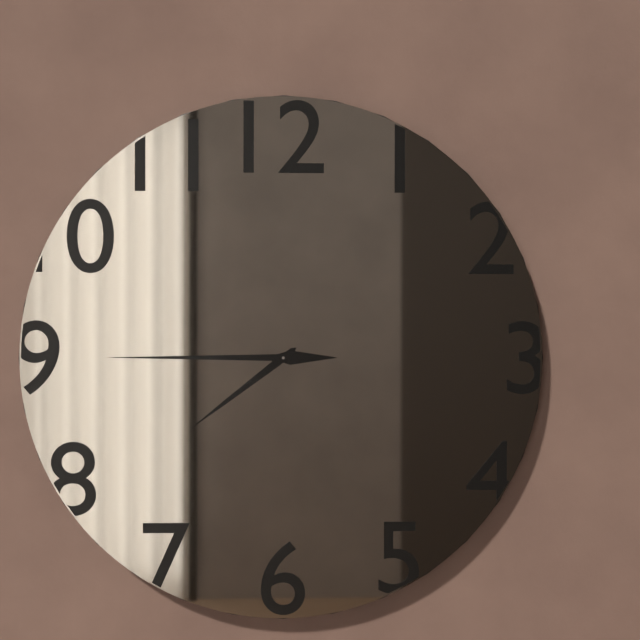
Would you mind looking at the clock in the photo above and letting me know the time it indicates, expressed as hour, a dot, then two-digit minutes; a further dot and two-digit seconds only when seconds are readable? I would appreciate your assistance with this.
7.45
